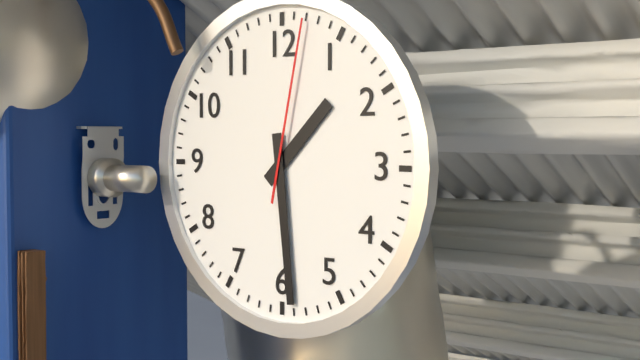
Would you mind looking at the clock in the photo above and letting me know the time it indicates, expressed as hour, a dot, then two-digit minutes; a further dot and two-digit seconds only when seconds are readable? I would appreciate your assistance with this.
1.29.02
